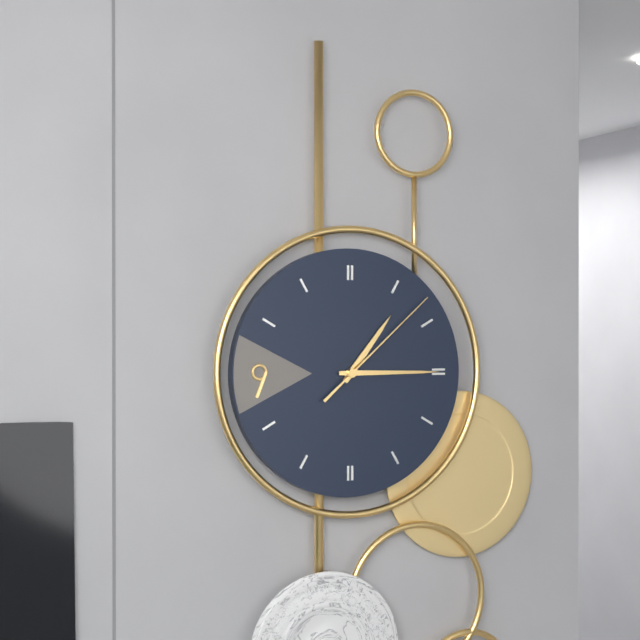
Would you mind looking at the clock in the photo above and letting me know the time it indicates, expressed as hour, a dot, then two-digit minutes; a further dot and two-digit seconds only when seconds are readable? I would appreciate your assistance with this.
1.15.08
